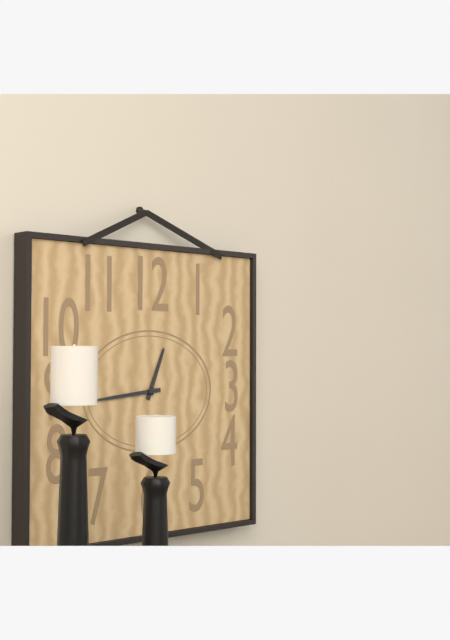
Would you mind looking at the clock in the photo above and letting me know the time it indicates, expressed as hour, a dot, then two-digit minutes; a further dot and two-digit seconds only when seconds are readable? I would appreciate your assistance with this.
12.44
